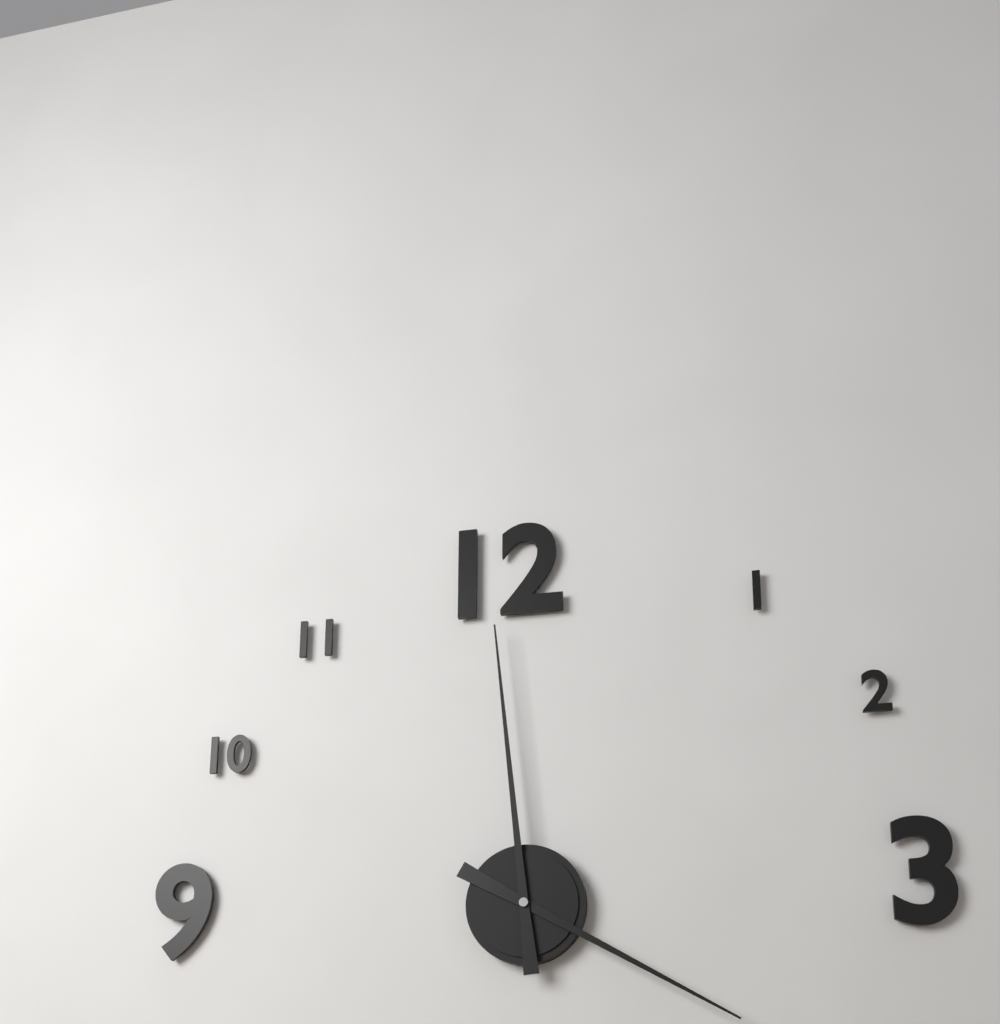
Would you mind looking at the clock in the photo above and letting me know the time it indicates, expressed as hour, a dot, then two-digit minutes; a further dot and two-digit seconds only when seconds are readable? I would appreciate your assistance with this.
3.59
